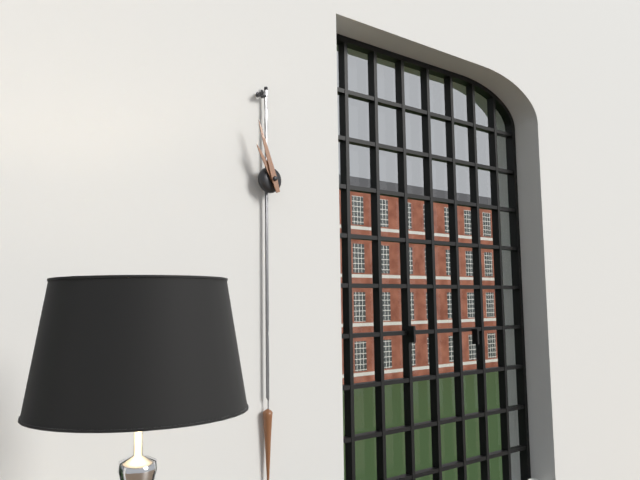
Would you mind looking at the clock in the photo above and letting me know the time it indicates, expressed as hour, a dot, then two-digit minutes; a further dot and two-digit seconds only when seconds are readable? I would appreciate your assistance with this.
10.57
